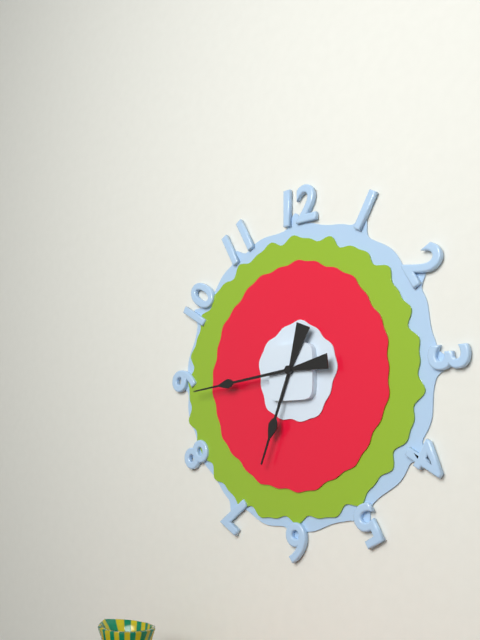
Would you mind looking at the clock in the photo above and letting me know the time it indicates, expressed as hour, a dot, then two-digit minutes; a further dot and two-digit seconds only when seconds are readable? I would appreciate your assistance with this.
6.44
